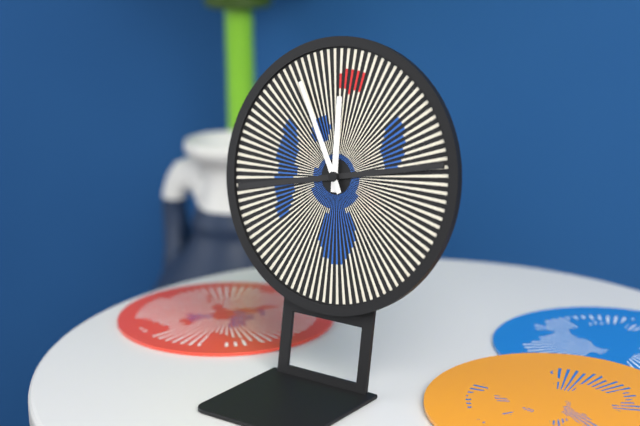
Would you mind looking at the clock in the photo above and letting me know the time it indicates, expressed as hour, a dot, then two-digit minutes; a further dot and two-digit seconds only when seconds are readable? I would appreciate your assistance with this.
11.55
